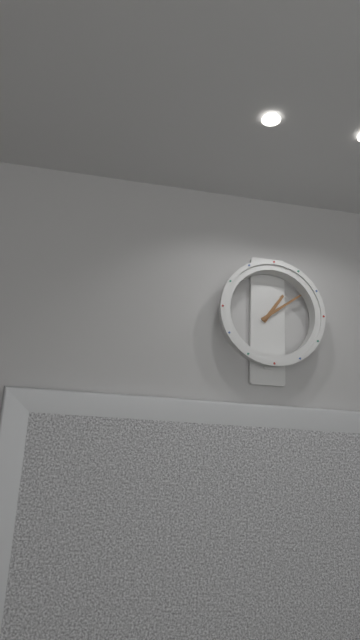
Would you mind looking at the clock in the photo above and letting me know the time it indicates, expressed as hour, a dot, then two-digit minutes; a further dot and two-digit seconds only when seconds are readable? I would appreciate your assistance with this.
1.09
